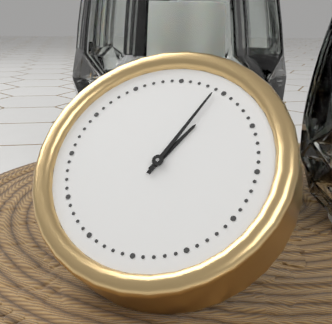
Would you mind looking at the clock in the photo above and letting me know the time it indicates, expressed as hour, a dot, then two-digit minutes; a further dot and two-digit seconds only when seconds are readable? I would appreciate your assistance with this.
1.04
